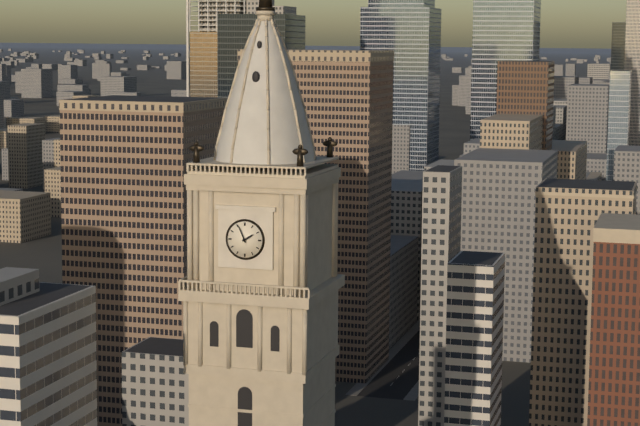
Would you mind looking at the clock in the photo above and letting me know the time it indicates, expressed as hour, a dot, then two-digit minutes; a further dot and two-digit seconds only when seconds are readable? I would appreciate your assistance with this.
1.56
